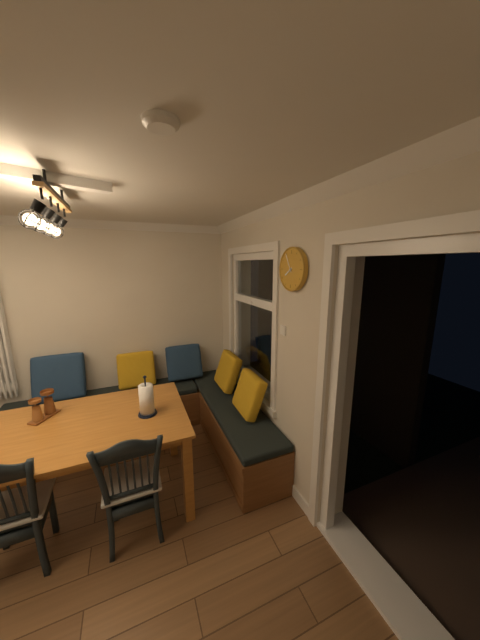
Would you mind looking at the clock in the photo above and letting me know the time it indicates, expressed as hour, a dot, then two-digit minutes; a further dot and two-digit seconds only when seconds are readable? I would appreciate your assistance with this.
7.55
